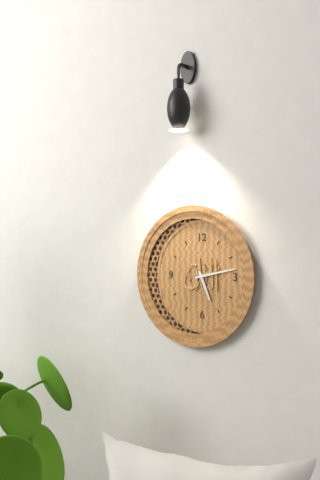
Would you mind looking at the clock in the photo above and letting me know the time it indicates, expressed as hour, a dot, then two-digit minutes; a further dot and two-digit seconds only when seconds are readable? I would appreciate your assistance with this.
5.13
